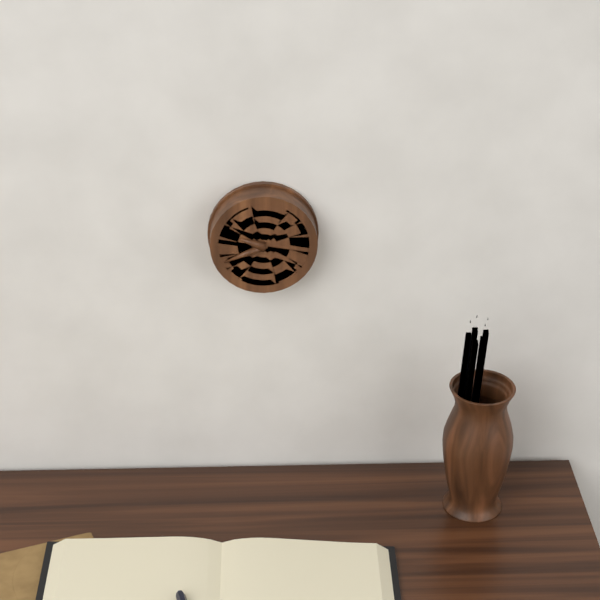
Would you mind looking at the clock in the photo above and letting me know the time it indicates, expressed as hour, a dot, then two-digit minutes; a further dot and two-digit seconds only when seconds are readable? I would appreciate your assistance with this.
9.41
